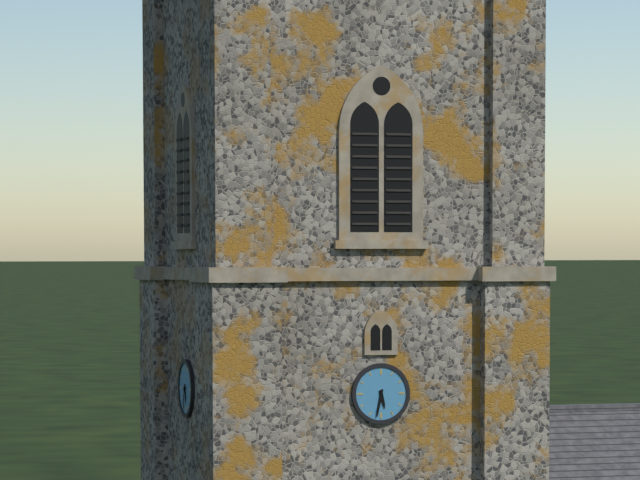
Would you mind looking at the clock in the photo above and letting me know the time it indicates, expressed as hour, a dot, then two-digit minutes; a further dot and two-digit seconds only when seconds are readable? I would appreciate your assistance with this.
5.32
